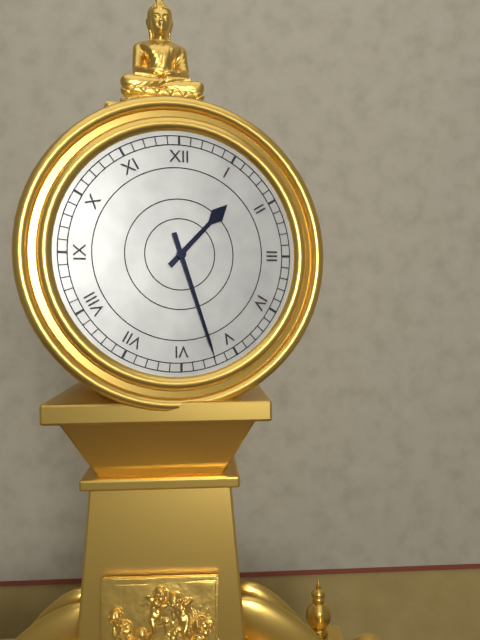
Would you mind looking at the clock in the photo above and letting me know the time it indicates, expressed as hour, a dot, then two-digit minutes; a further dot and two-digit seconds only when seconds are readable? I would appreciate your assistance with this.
1.27
